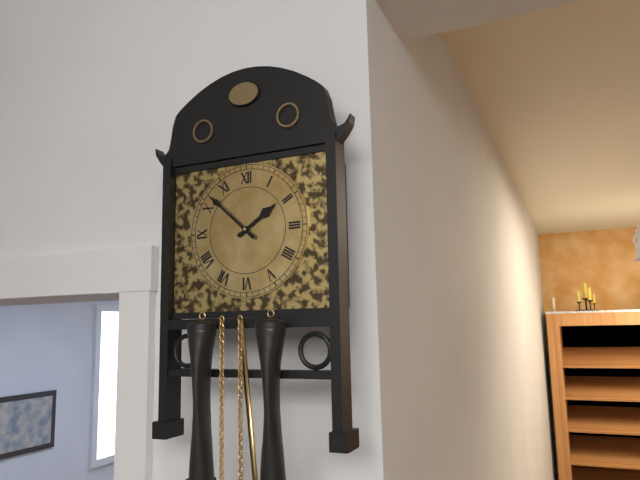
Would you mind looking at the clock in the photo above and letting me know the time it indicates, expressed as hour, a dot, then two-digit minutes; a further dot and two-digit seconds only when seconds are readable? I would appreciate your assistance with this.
1.52
